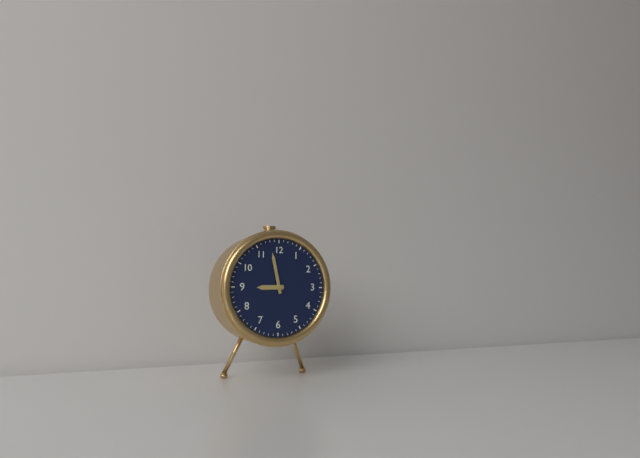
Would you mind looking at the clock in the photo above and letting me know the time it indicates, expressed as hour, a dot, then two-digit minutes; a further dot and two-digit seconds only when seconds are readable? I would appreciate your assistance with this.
8.58
